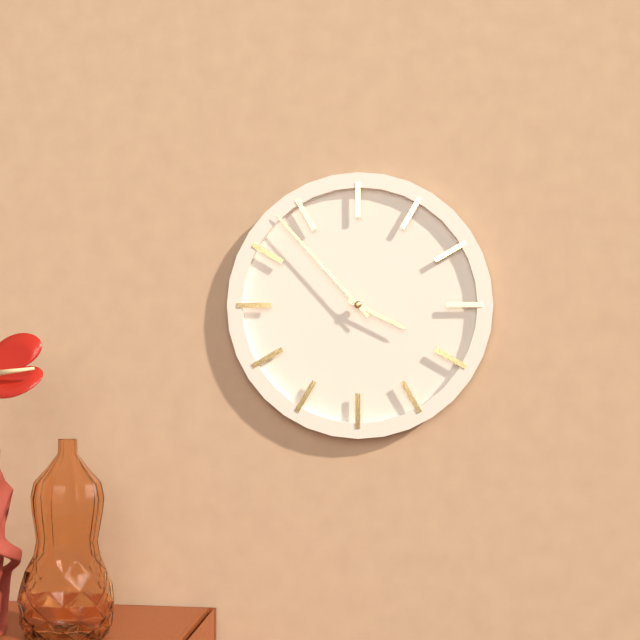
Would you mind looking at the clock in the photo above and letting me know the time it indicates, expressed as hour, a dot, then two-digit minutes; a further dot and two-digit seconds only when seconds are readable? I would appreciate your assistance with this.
3.53
